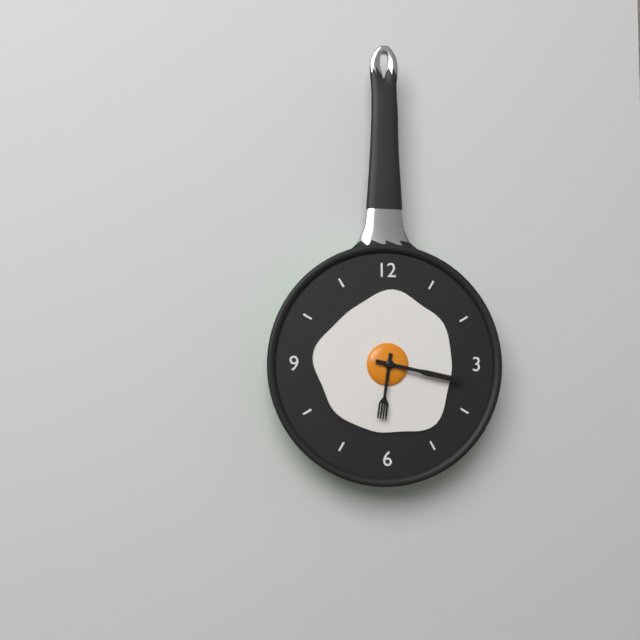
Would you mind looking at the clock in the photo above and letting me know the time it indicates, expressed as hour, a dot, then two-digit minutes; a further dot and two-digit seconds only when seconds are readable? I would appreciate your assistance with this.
6.17
